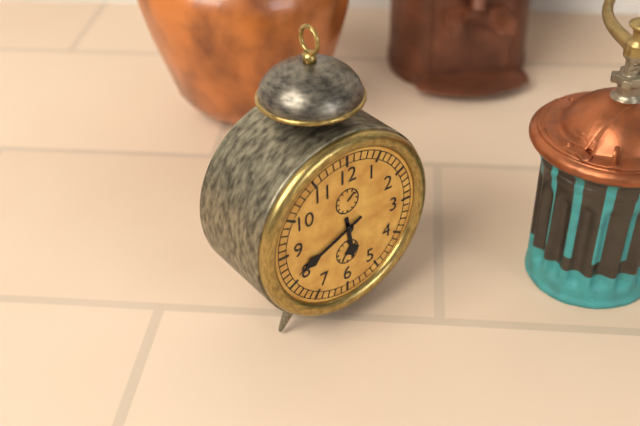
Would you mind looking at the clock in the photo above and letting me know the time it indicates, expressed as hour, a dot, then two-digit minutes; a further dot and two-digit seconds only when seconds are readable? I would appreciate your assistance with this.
5.41
